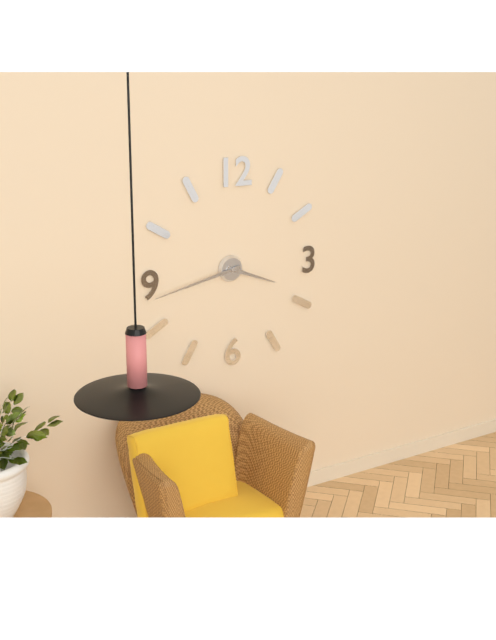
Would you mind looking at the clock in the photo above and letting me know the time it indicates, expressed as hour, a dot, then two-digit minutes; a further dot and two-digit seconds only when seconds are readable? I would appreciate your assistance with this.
3.43
